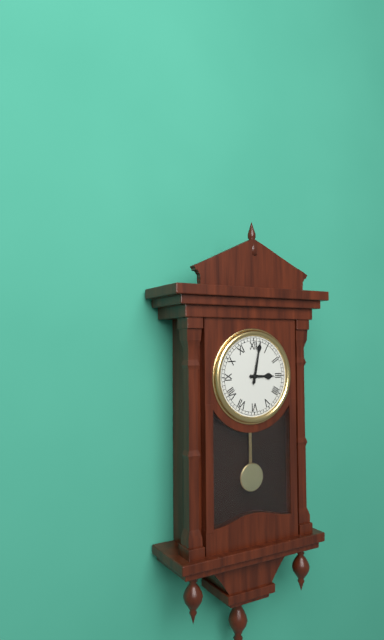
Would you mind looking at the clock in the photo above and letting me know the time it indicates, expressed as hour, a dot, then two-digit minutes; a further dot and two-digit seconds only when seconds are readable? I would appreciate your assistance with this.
3.02
